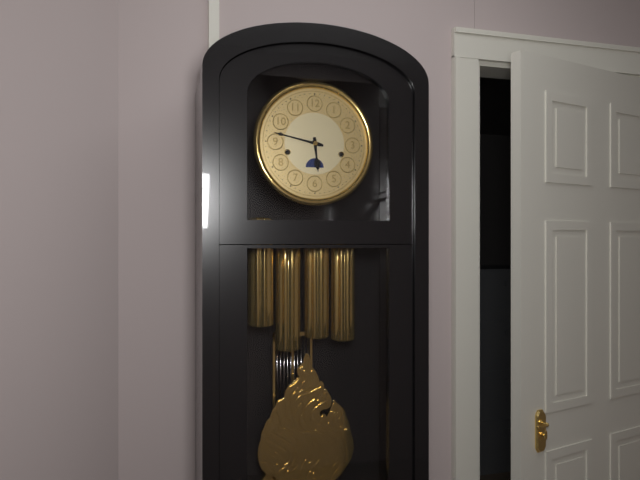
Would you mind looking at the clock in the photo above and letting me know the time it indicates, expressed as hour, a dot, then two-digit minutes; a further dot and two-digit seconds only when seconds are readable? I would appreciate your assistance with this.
5.47
